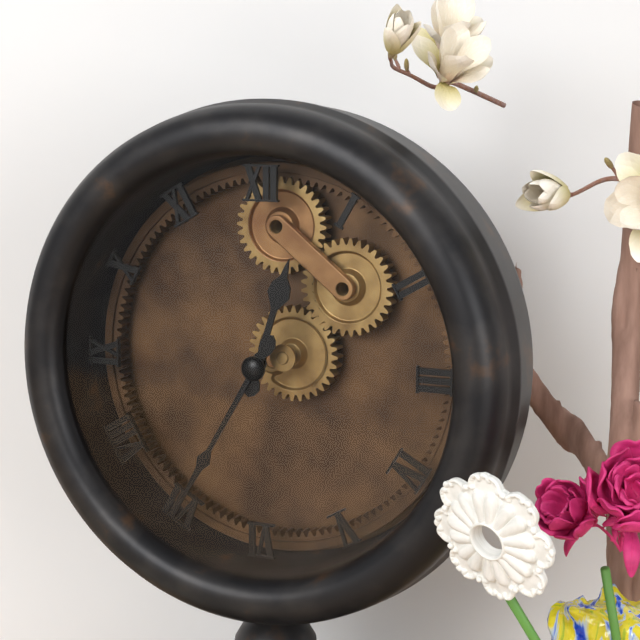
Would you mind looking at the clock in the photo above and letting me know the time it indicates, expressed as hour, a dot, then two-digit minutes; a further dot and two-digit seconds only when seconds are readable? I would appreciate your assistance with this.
12.35
